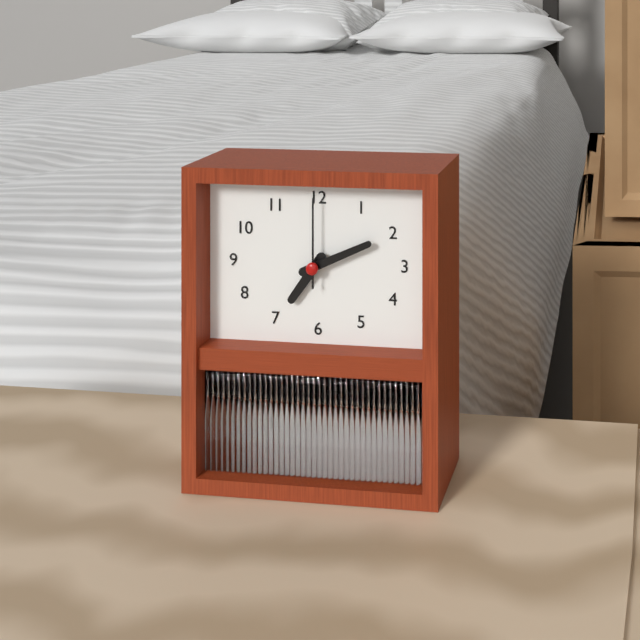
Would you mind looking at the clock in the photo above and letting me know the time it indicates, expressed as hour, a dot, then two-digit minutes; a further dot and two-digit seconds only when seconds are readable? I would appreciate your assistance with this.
7.11.00
